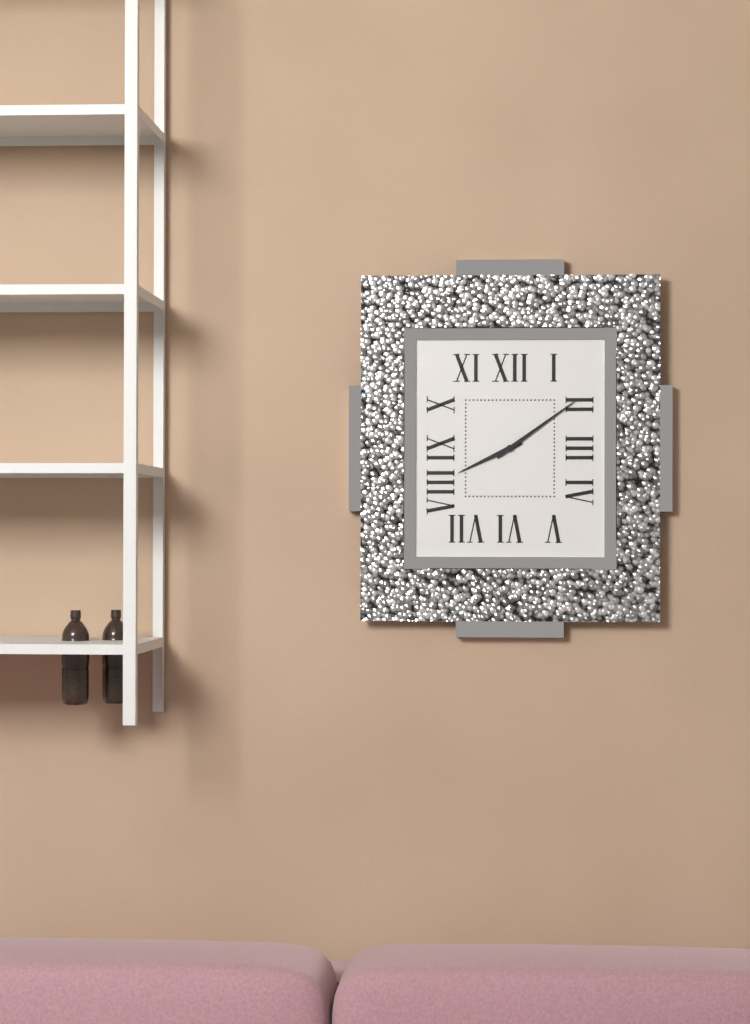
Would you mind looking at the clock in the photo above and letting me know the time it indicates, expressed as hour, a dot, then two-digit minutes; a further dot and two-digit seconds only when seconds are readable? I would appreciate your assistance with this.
8.09
